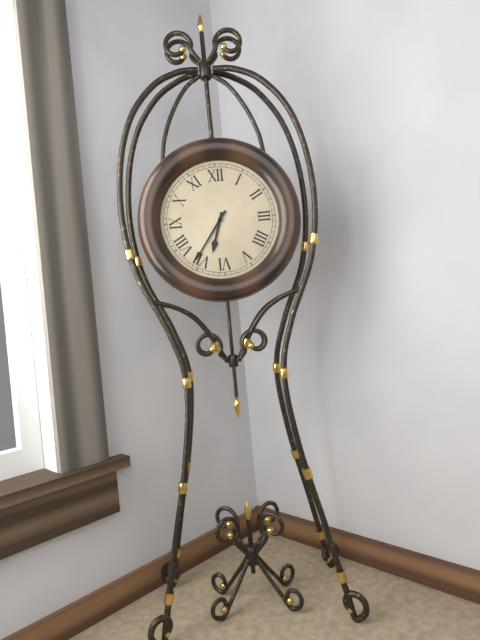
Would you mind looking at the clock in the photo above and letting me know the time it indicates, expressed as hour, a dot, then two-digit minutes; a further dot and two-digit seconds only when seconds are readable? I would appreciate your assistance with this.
6.36
